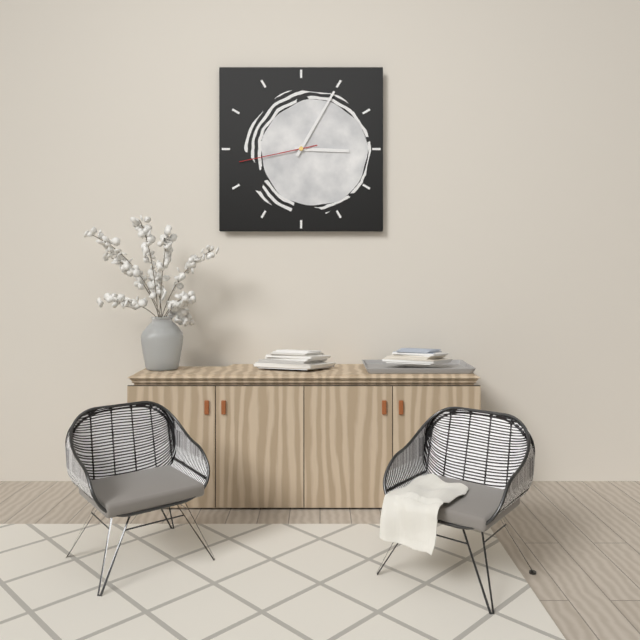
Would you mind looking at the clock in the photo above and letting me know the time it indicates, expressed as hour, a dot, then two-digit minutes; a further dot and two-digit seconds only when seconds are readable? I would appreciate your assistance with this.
3.05.43
